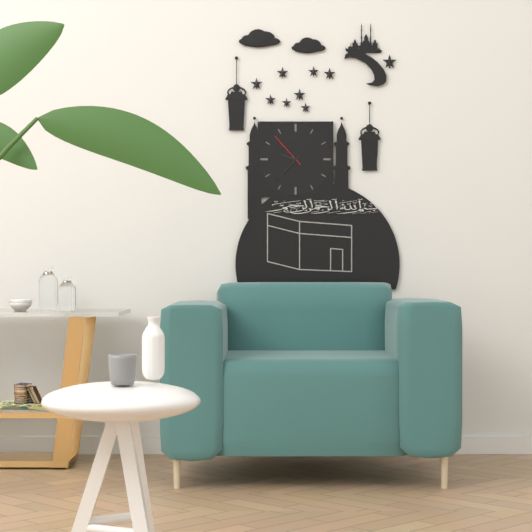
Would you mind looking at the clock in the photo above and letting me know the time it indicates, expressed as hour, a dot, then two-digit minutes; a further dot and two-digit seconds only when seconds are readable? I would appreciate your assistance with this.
9.37
